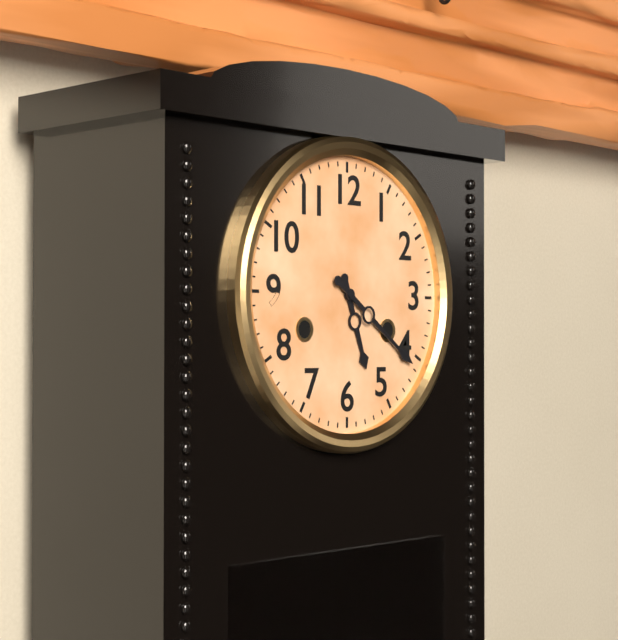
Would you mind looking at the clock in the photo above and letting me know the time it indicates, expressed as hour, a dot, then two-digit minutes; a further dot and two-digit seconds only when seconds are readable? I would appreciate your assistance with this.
5.21
